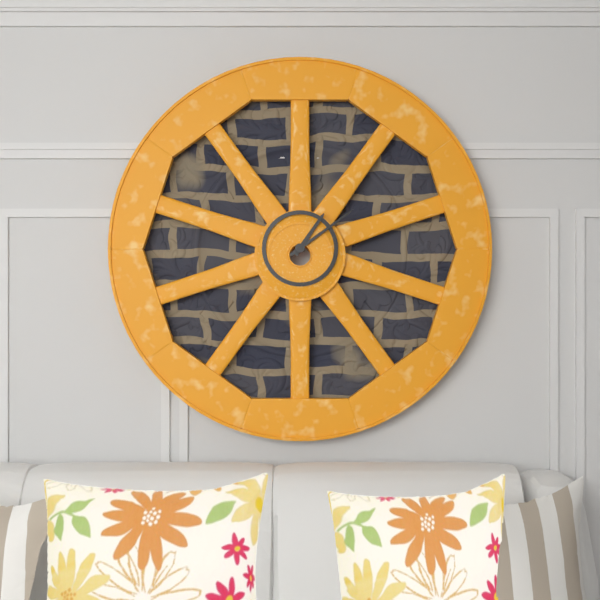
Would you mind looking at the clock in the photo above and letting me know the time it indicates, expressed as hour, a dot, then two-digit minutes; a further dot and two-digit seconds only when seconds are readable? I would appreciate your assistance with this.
1.09
